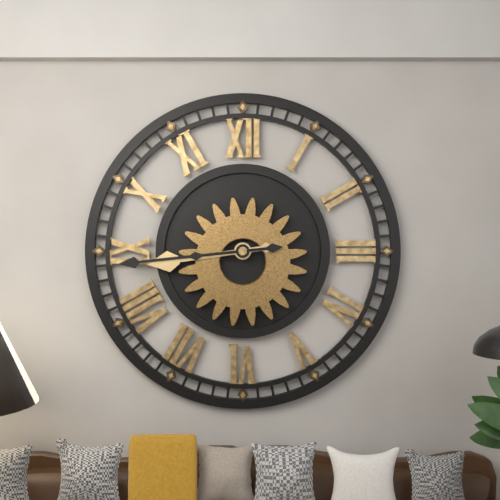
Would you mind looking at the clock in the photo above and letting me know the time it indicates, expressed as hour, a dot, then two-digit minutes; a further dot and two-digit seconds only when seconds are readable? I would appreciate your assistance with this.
8.44
